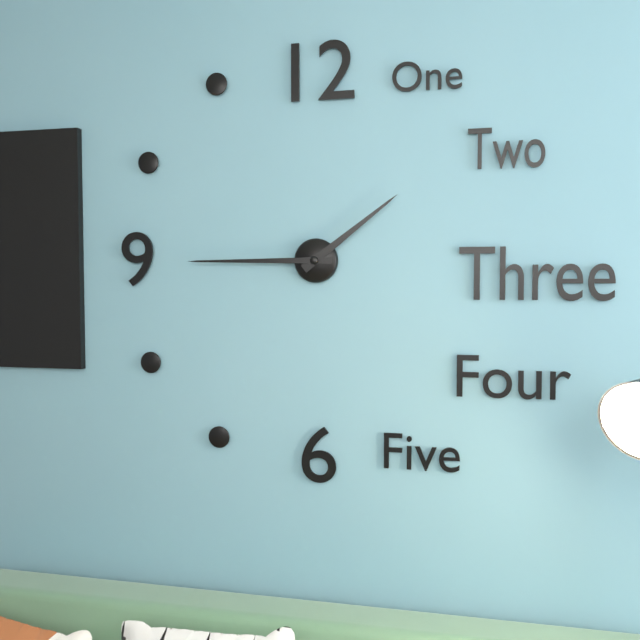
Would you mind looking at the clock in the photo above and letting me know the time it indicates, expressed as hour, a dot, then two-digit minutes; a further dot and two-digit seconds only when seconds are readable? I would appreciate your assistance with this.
1.45
